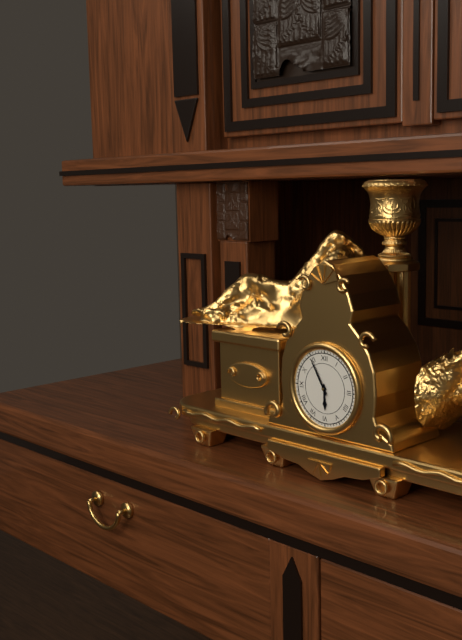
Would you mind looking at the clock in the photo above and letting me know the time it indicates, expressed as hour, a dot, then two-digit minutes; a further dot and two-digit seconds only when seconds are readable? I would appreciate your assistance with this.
5.55
